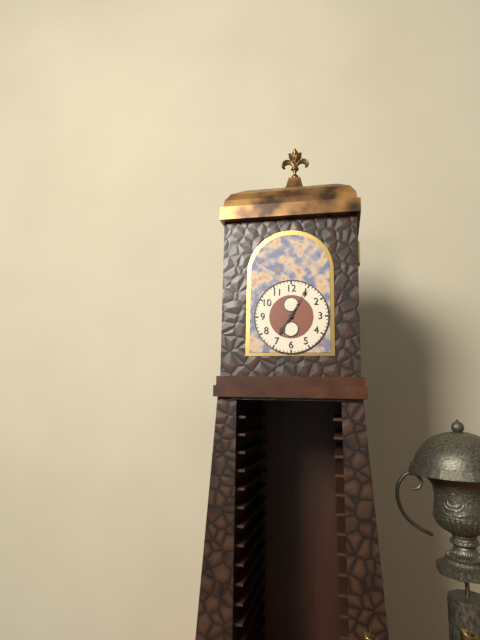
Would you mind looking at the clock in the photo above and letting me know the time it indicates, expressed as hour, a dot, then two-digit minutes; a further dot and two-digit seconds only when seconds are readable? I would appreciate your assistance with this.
7.05
